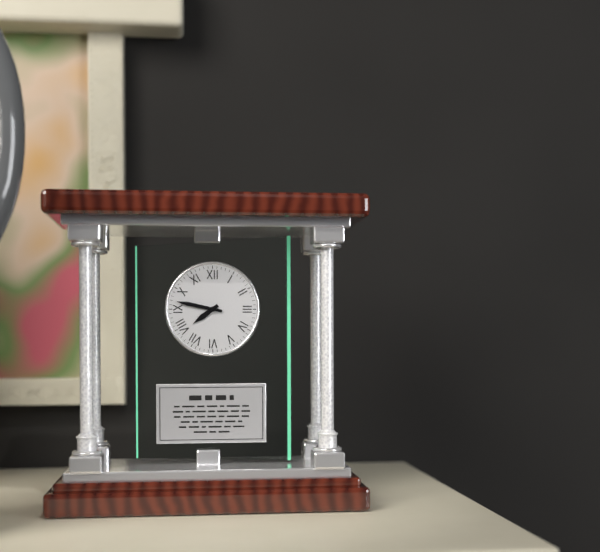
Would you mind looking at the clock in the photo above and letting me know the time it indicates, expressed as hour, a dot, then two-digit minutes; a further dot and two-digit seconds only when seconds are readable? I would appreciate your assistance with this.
7.47
